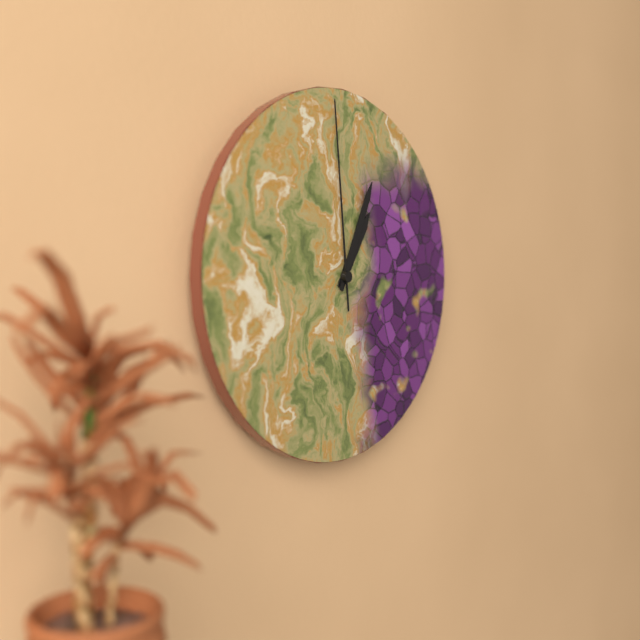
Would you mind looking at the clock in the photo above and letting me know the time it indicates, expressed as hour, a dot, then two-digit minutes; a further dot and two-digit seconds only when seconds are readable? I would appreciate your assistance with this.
1.04.59
